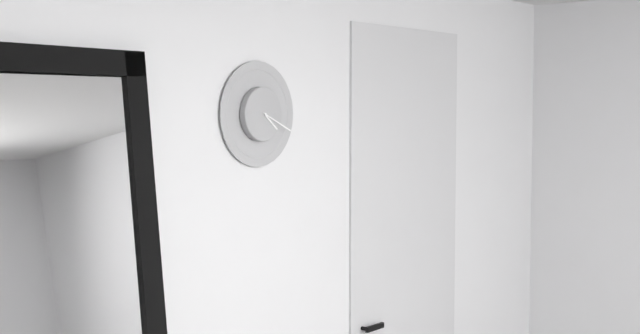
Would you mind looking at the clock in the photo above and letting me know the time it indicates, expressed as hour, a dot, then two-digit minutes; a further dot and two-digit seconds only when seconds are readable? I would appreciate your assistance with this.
4.19
